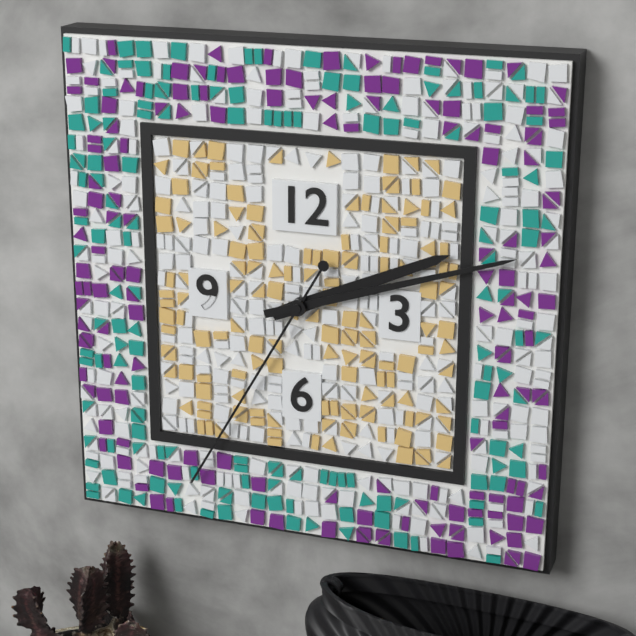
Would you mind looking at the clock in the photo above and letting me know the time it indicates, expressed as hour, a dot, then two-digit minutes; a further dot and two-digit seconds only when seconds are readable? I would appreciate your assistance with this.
2.12.35
